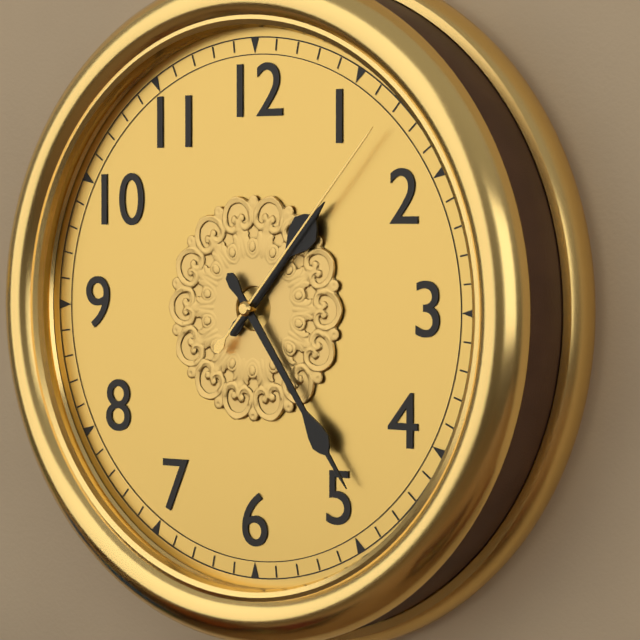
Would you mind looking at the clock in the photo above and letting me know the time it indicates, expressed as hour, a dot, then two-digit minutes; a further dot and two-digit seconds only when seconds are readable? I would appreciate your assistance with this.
1.24.07
